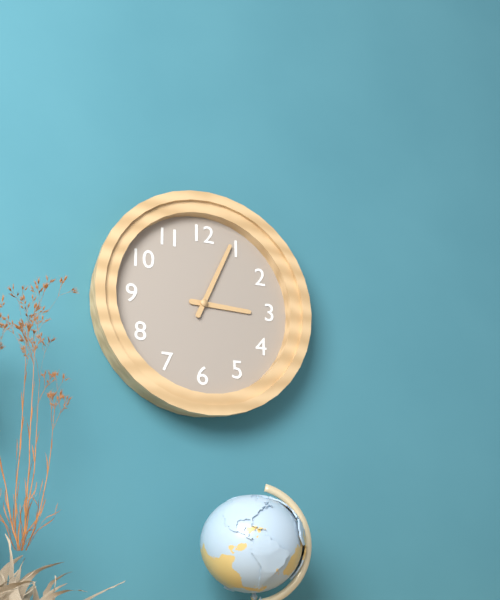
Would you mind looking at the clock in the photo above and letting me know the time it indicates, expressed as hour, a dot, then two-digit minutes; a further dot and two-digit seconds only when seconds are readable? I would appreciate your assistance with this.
3.04
